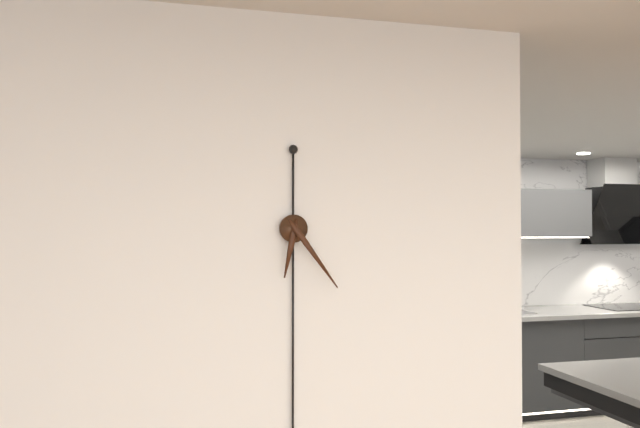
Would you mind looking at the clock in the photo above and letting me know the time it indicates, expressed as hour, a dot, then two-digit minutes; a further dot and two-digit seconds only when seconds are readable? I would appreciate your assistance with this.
6.24
